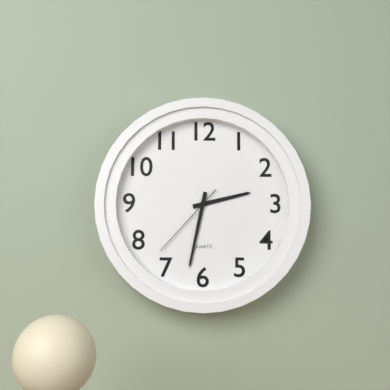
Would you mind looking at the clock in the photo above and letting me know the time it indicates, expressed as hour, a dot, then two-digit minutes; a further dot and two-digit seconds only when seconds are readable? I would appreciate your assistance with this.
2.32.37
